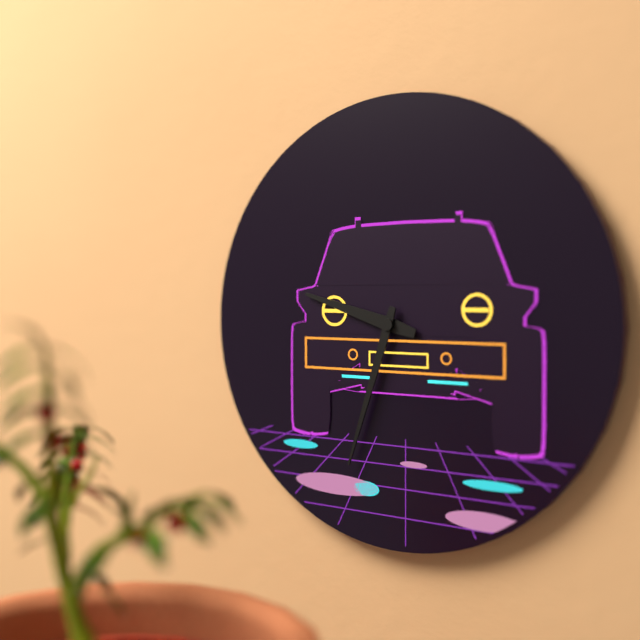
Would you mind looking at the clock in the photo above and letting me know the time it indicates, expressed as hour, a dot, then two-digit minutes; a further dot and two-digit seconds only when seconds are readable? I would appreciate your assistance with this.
9.33
